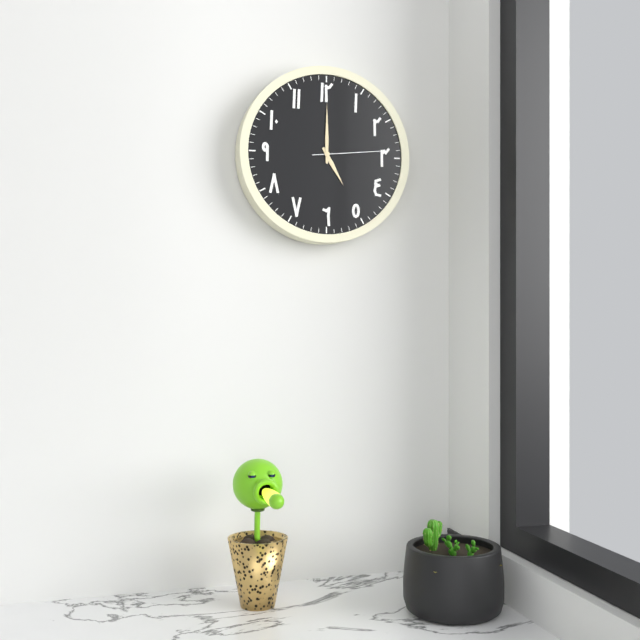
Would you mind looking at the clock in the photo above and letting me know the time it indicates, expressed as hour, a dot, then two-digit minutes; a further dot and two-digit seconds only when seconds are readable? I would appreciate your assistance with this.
5.00.14
